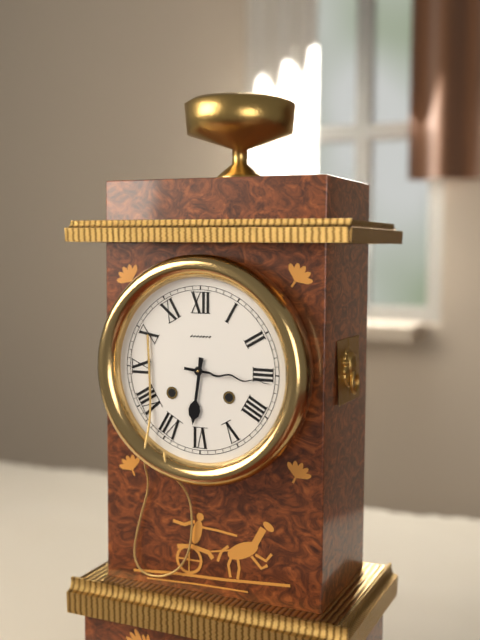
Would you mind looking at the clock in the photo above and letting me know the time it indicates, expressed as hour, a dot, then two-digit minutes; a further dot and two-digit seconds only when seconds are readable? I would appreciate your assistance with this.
6.16
